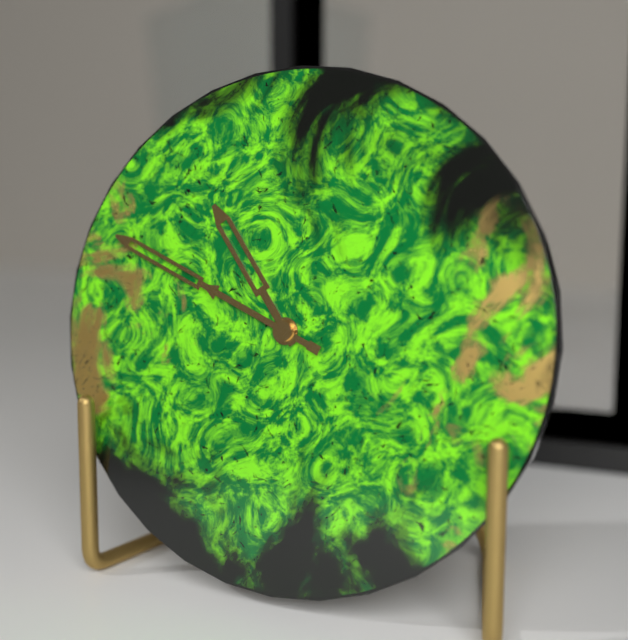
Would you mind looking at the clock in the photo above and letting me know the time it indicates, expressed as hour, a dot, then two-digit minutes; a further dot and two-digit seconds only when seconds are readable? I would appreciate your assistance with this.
10.49
